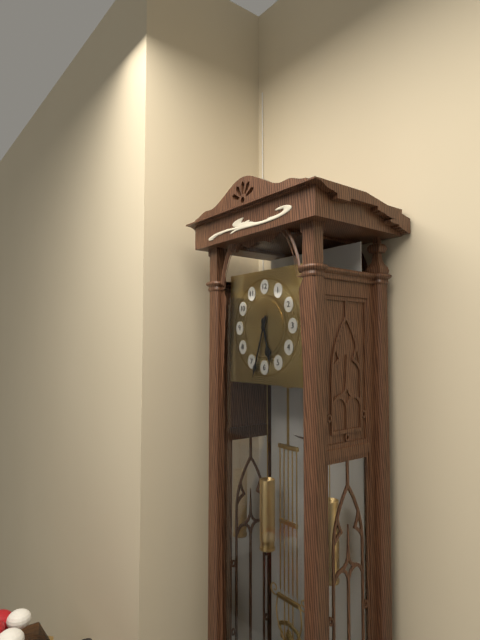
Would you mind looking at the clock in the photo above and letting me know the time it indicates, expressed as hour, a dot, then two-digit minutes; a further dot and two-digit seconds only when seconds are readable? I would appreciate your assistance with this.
5.33
